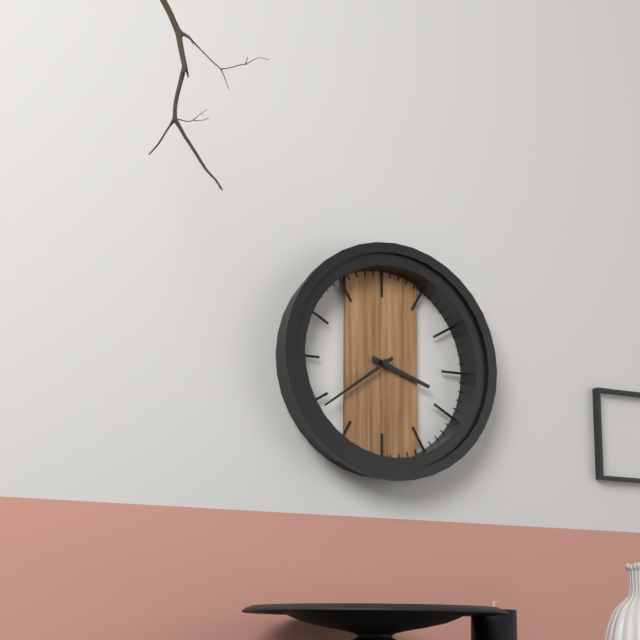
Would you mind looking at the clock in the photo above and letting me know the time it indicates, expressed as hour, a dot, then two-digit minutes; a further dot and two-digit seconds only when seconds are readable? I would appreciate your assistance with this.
3.39
